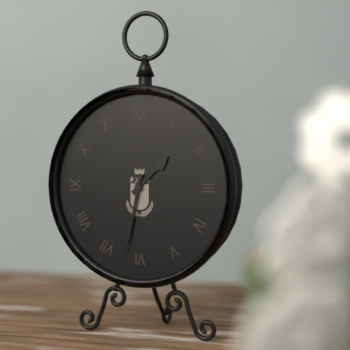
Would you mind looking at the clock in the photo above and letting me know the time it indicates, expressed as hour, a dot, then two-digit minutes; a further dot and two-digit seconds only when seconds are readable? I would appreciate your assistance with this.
1.32
